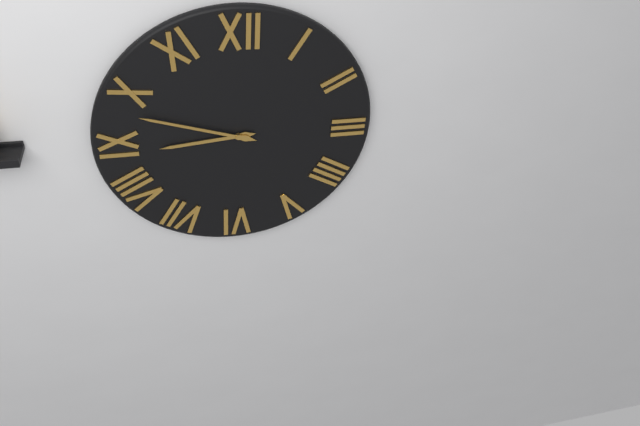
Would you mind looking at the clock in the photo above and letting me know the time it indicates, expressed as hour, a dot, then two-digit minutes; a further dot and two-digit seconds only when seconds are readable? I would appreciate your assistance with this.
8.48
